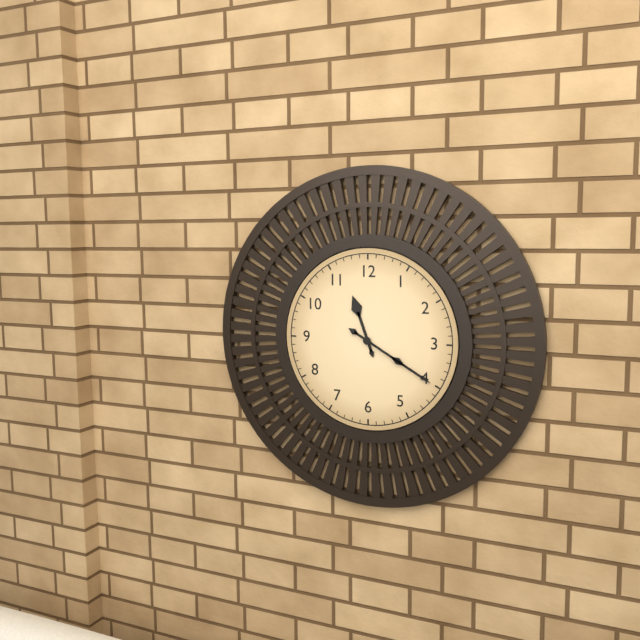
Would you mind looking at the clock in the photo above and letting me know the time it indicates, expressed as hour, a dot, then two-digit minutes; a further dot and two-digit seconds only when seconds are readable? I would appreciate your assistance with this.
11.20
